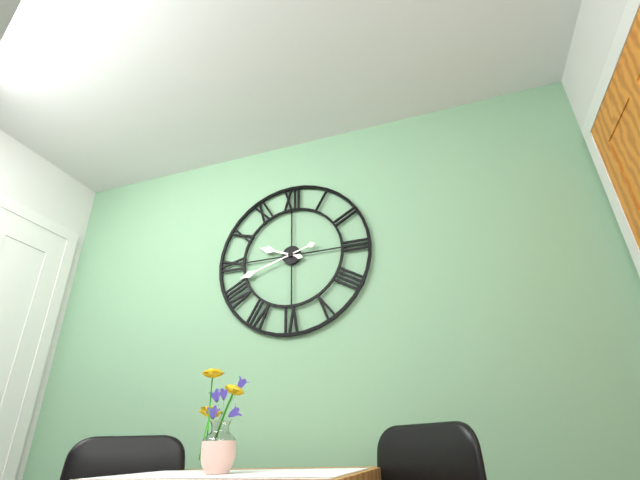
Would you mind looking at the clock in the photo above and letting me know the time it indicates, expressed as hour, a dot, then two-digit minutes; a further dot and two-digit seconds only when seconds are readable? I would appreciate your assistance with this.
9.42
